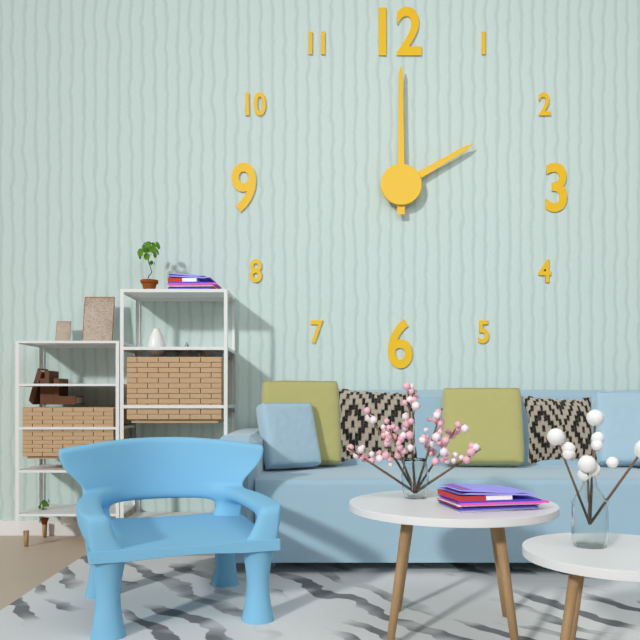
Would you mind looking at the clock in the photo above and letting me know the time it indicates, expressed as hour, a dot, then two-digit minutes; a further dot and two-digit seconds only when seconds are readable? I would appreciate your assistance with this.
2.00
